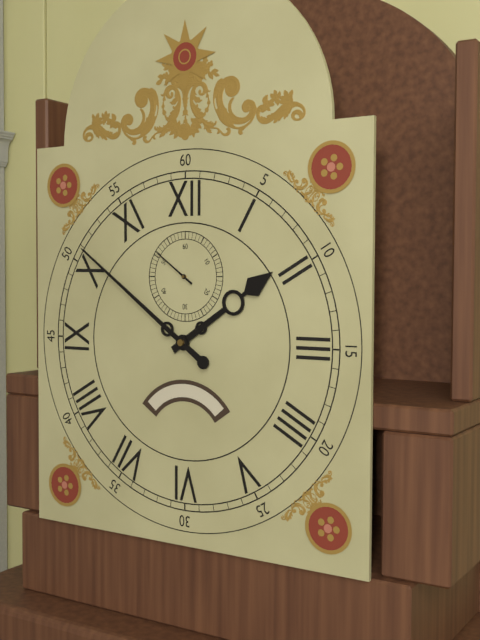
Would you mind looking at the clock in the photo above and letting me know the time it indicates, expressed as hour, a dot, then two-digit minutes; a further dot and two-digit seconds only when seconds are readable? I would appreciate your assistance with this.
1.51
